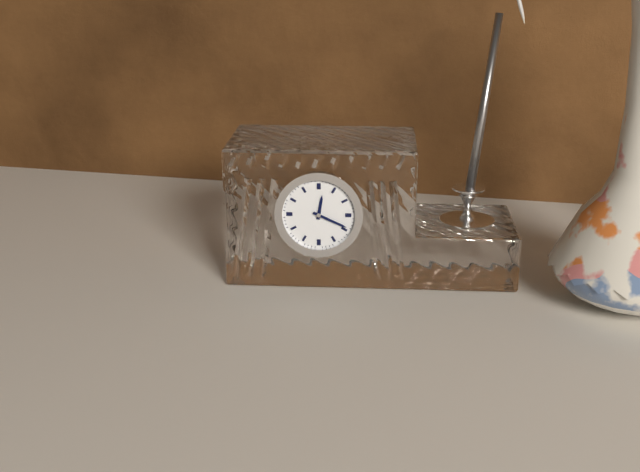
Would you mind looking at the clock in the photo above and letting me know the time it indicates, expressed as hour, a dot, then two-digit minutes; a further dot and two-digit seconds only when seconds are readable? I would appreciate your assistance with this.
12.19
